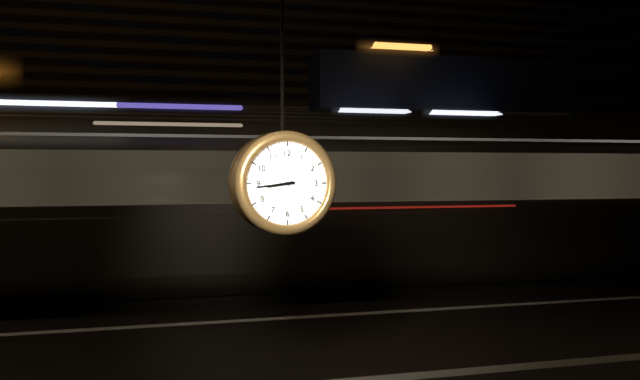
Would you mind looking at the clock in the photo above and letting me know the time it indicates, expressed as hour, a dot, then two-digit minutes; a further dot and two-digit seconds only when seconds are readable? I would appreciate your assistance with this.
8.44
